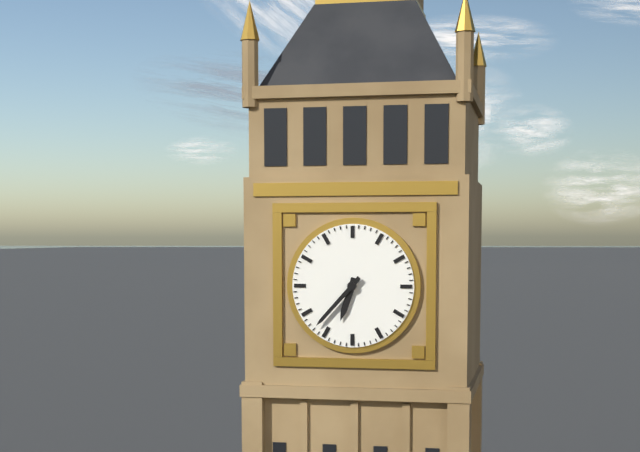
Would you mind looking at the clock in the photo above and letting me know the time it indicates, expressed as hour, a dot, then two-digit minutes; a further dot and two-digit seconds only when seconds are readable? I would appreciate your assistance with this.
6.37
